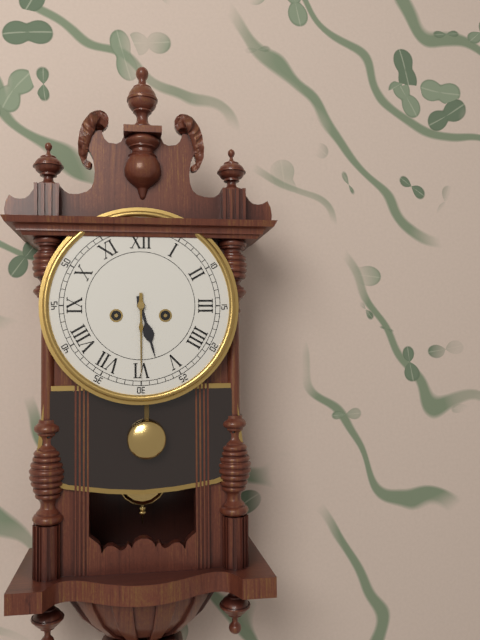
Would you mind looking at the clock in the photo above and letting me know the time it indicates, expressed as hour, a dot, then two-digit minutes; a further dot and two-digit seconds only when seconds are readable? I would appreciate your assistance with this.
5.30
